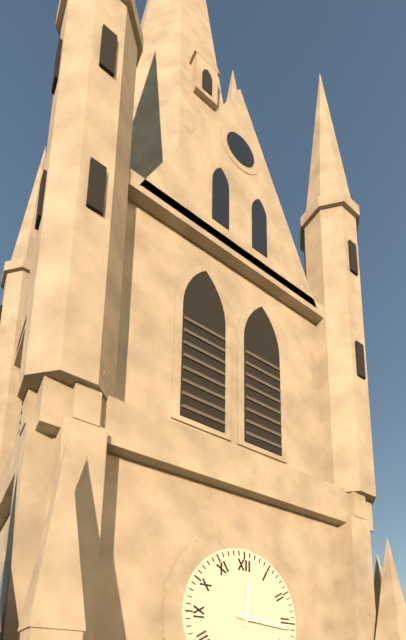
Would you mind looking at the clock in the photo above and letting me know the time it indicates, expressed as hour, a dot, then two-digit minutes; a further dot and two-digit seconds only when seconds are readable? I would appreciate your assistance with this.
12.16
